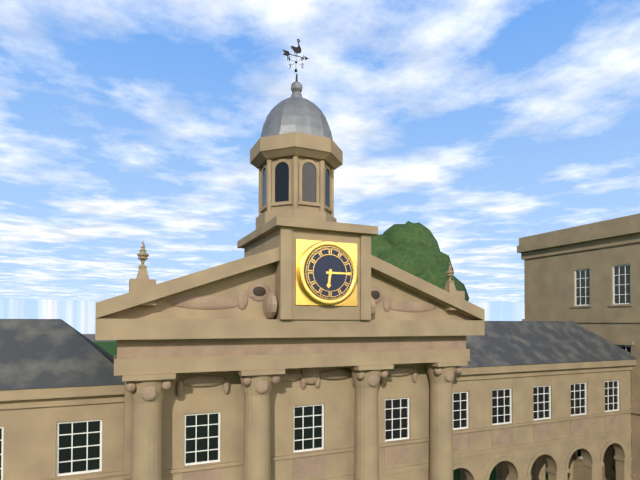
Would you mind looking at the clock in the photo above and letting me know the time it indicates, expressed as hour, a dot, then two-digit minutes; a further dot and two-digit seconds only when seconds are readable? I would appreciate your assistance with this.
6.15
